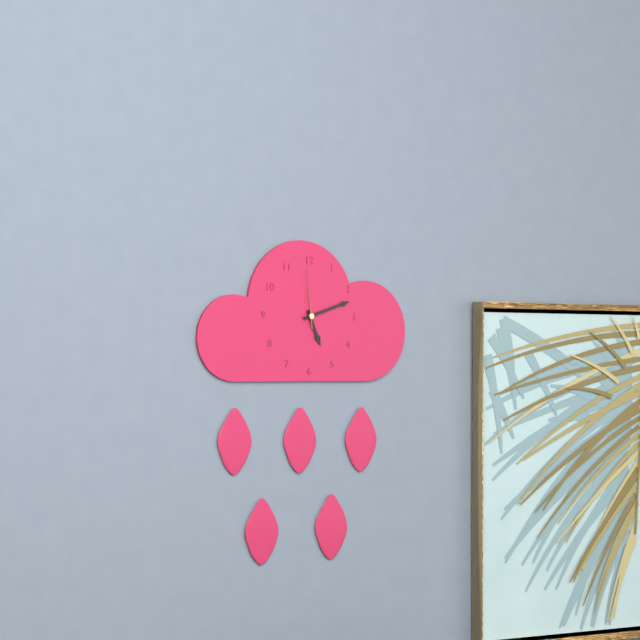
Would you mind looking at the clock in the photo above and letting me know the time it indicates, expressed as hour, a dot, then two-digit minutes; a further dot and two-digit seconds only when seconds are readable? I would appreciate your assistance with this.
5.12.59
